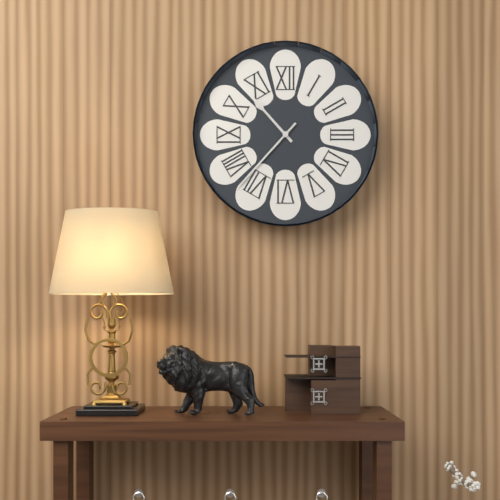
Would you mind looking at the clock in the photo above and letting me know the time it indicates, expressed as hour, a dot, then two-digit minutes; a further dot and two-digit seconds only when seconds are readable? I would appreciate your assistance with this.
10.37
